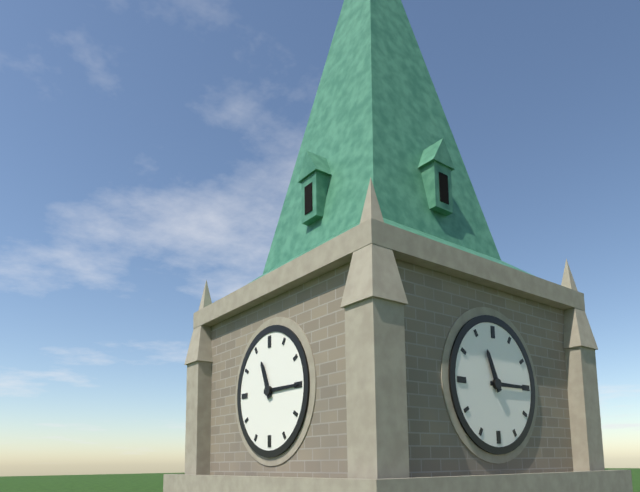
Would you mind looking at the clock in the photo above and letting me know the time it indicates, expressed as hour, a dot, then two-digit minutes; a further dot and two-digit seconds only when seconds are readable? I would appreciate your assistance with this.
11.15
